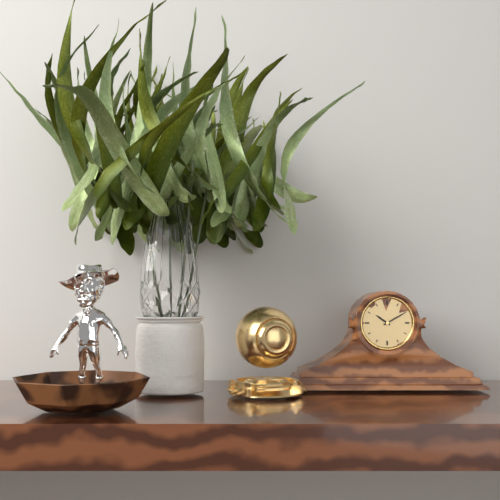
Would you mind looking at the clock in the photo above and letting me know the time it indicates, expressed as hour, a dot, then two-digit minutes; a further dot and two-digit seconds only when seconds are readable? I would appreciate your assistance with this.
10.10
